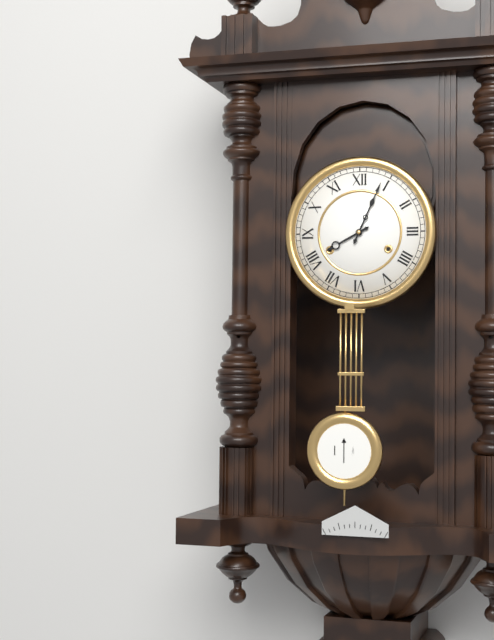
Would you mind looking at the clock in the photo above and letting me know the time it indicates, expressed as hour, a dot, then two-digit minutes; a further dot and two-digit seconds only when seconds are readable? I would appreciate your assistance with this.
8.04
